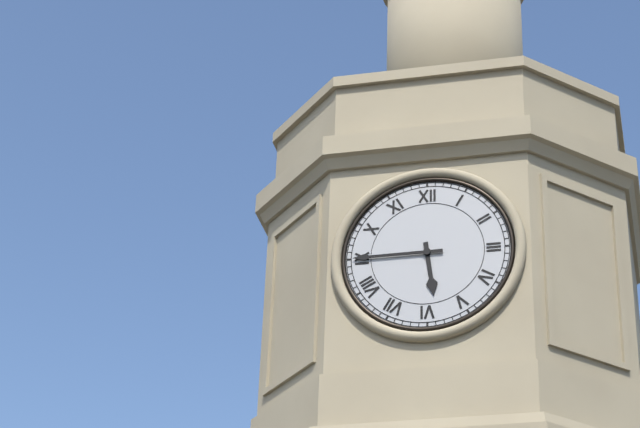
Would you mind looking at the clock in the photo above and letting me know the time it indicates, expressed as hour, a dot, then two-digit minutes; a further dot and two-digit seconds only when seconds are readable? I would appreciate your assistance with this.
5.45
